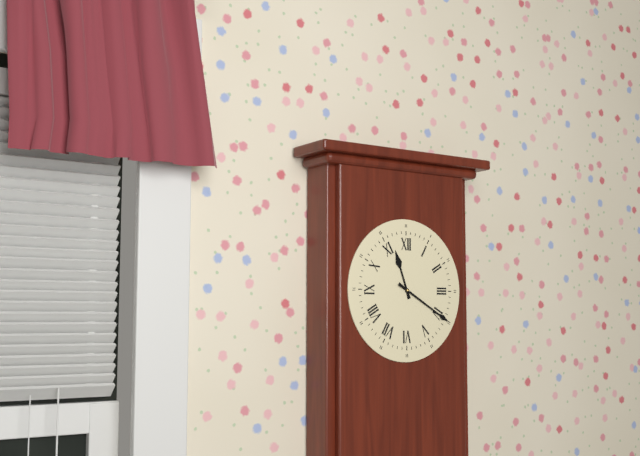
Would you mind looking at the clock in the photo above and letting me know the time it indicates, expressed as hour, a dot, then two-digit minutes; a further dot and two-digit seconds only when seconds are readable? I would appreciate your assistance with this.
11.20
